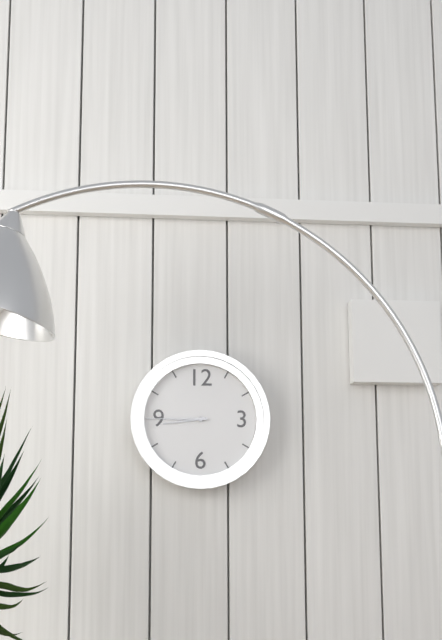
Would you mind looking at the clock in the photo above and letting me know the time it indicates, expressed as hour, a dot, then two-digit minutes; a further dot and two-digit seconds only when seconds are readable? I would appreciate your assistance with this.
8.45
